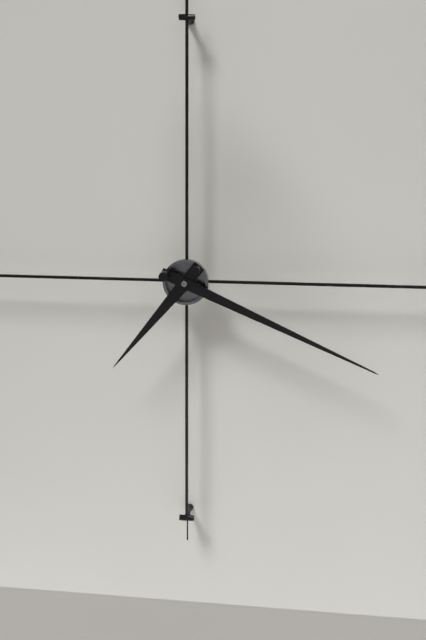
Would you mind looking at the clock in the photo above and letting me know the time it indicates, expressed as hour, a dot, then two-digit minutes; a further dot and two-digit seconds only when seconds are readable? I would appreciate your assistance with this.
7.19
